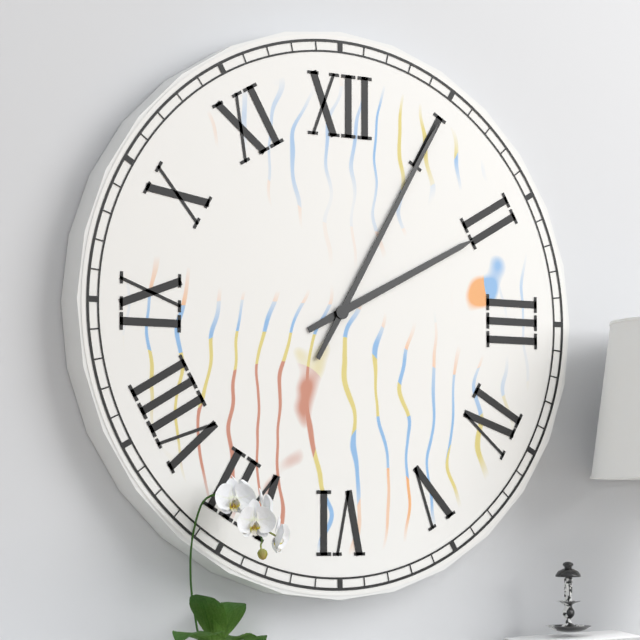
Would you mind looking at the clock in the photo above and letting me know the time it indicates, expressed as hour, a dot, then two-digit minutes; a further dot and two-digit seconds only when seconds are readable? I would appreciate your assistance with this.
2.05
